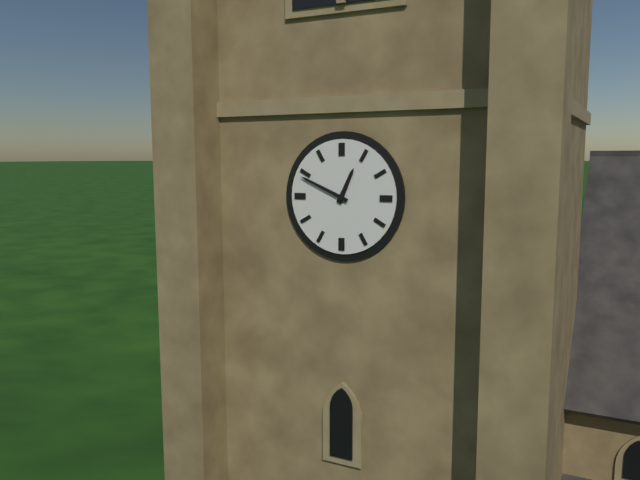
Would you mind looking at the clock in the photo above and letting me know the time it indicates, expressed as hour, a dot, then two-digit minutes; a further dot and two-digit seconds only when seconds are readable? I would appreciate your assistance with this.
12.49
